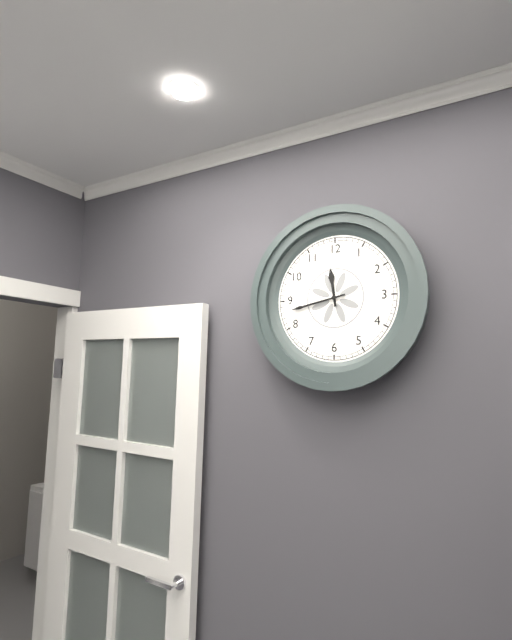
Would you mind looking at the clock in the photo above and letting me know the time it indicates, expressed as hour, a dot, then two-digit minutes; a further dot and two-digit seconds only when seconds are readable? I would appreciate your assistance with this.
11.43
